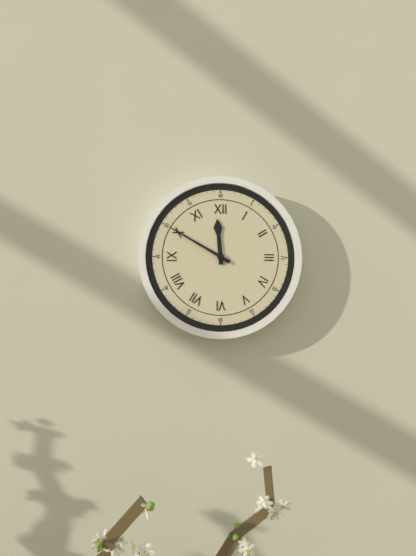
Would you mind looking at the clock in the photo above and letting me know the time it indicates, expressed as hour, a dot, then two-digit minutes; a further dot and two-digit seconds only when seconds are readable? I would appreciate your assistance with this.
11.50
